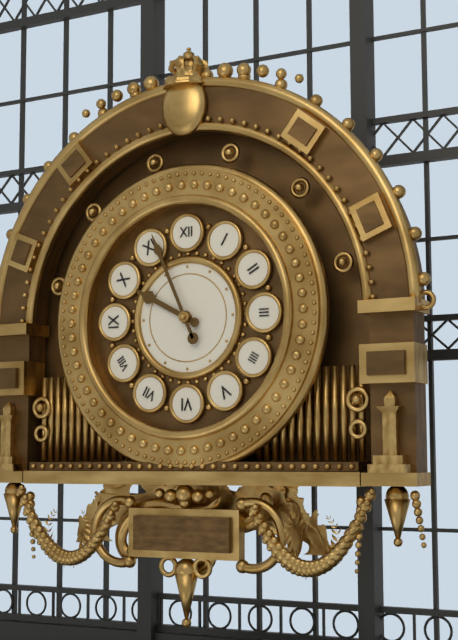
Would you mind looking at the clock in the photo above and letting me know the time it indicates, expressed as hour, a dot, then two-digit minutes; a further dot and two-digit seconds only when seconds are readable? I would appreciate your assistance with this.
9.56
